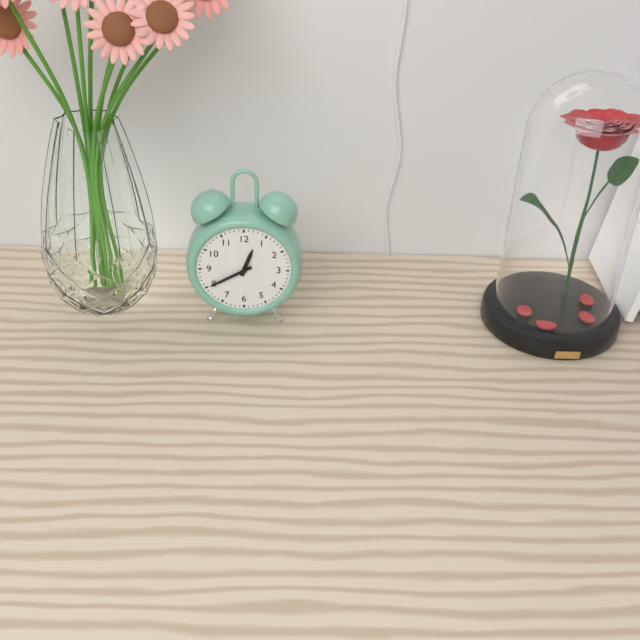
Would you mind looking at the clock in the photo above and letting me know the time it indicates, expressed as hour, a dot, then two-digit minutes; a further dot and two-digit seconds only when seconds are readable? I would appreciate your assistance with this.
12.40
